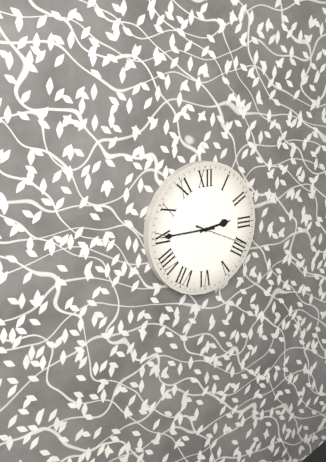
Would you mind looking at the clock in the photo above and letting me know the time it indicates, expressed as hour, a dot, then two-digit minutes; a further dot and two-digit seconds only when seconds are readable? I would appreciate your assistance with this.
2.45.19
